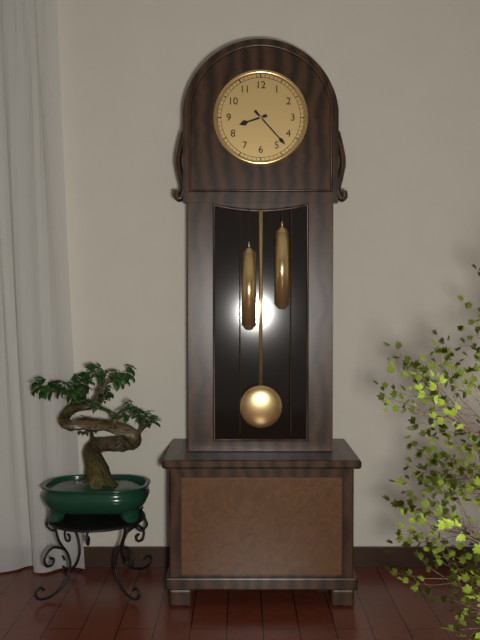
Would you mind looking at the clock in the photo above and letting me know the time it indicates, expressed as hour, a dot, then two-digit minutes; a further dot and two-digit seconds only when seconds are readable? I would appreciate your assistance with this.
8.23
